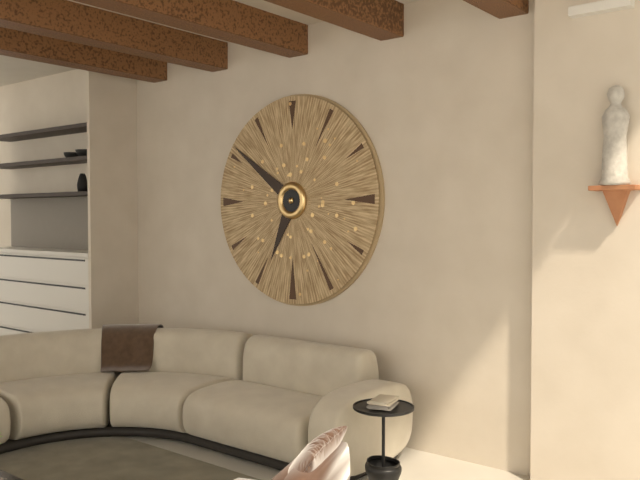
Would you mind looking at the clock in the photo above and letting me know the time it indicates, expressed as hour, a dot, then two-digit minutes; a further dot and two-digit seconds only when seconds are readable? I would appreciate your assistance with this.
6.51
